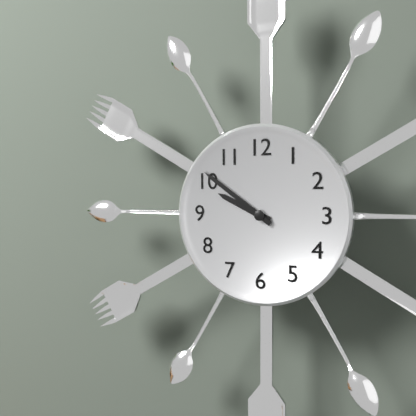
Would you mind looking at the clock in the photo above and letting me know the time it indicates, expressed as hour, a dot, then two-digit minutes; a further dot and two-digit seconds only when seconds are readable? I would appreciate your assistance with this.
9.51
